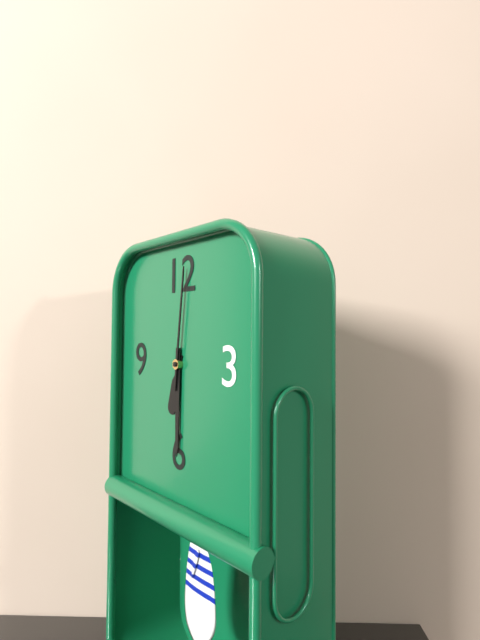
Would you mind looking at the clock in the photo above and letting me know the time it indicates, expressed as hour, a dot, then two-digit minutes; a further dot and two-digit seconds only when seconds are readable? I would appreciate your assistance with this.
6.30.01
